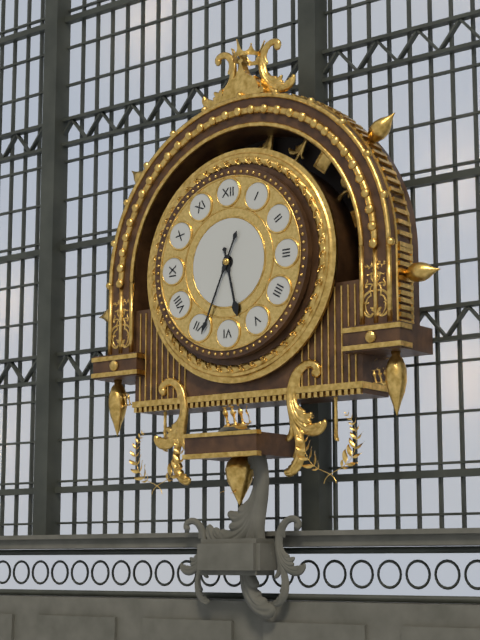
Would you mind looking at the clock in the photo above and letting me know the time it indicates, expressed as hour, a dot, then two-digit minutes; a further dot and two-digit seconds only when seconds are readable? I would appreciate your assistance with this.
5.34
